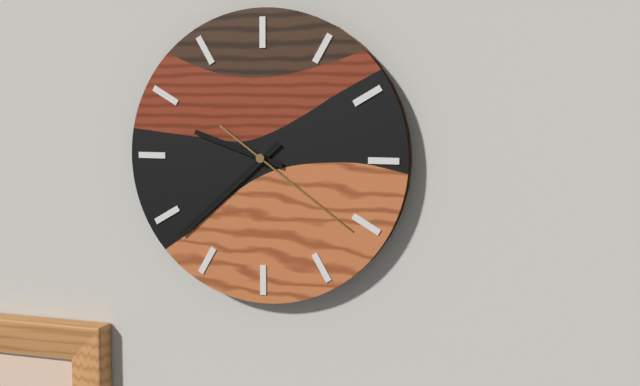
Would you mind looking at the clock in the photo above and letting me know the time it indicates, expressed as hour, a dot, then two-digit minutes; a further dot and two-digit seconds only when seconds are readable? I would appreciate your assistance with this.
9.38.21
